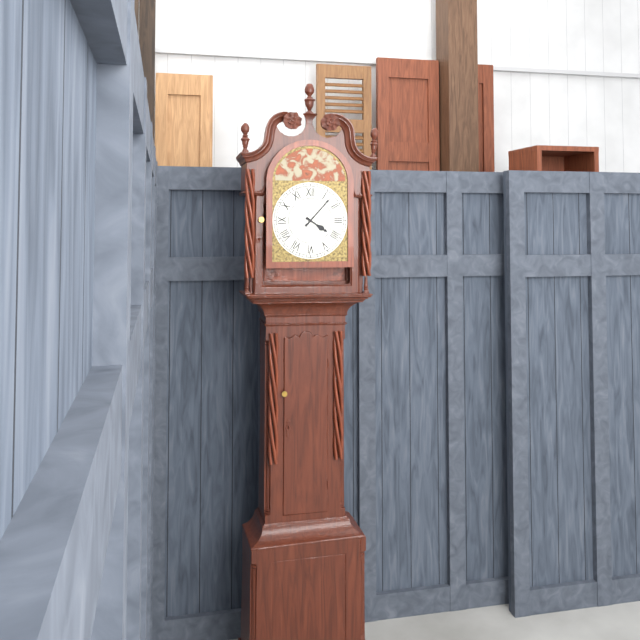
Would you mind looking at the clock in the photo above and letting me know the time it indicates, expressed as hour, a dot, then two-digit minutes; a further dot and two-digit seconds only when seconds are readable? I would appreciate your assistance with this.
4.07
